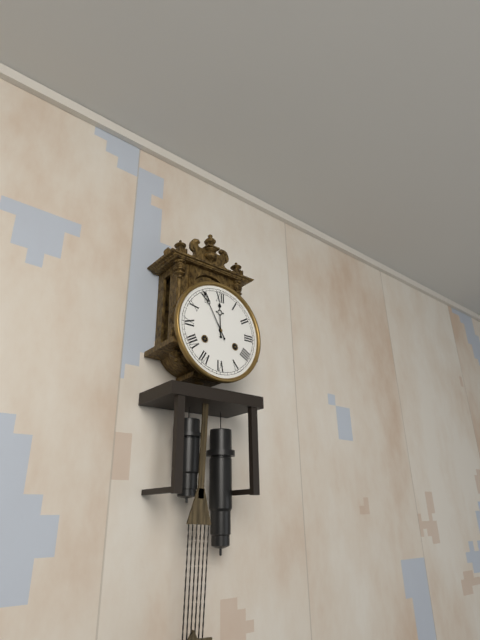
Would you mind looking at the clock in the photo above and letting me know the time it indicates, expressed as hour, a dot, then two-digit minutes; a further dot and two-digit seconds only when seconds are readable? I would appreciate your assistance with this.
11.55
